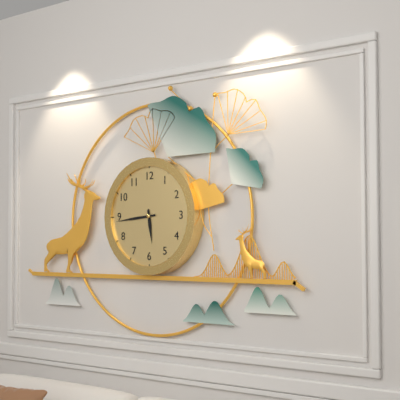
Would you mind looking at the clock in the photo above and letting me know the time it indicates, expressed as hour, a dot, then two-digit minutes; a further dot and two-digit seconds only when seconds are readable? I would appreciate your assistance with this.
5.44
